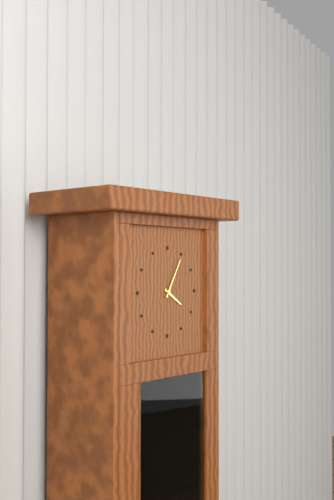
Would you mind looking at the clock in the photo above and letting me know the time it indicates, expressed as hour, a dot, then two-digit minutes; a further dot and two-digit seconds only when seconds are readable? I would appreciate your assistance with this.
4.05
